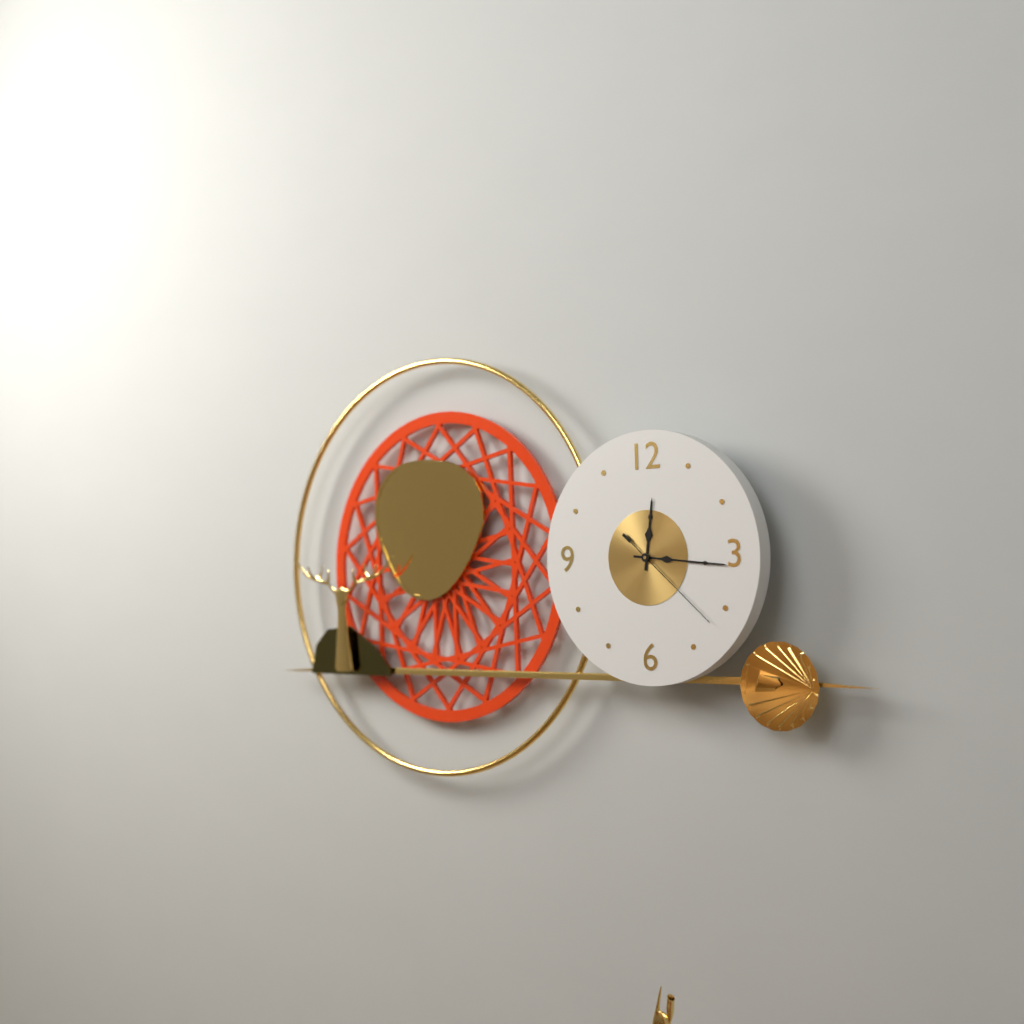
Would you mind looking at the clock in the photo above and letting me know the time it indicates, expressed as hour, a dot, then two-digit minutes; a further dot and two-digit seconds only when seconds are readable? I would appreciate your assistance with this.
12.16.22
